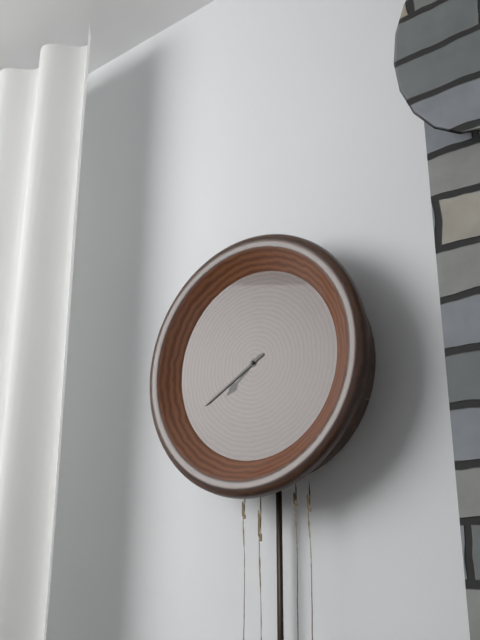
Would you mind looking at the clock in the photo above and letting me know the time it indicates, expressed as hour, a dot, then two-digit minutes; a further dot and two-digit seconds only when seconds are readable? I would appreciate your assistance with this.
7.40
